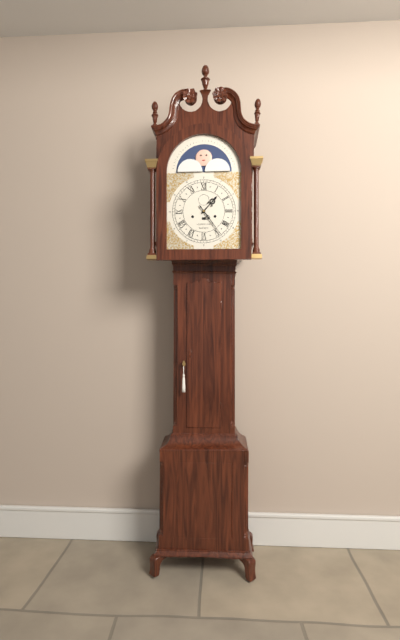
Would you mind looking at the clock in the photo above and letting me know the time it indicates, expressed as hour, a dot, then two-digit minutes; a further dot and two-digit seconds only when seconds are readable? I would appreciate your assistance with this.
1.24
